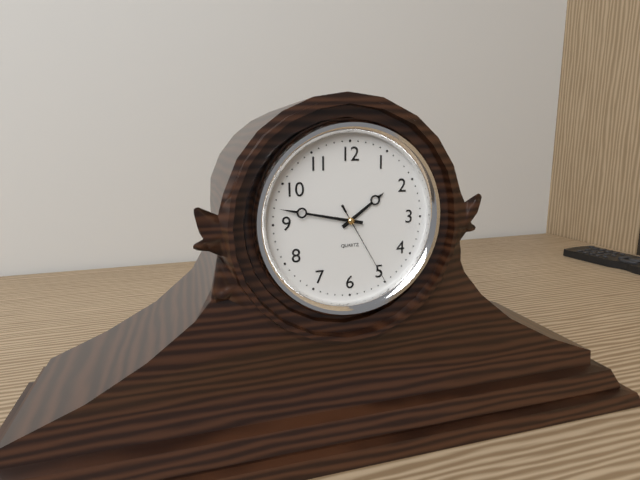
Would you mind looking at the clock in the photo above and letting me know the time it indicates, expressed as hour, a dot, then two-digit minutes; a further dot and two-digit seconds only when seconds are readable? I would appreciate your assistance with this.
1.47.25
